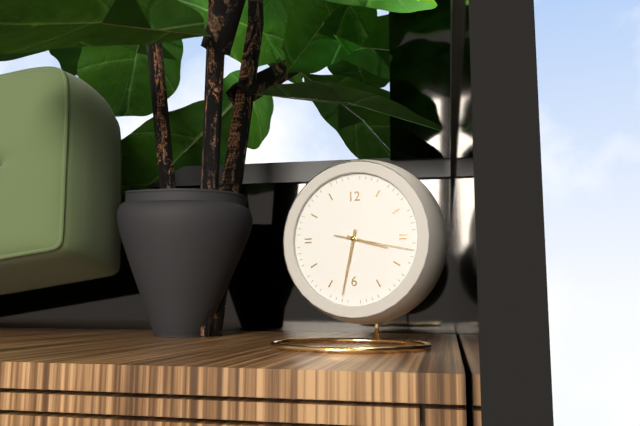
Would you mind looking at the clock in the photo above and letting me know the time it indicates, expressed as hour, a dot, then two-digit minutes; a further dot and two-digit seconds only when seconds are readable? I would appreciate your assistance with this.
3.32.17
